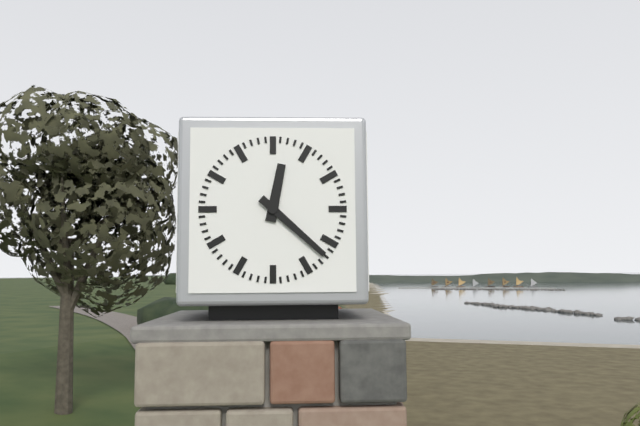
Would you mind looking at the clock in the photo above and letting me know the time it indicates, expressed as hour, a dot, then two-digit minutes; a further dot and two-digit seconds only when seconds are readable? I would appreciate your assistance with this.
12.22
